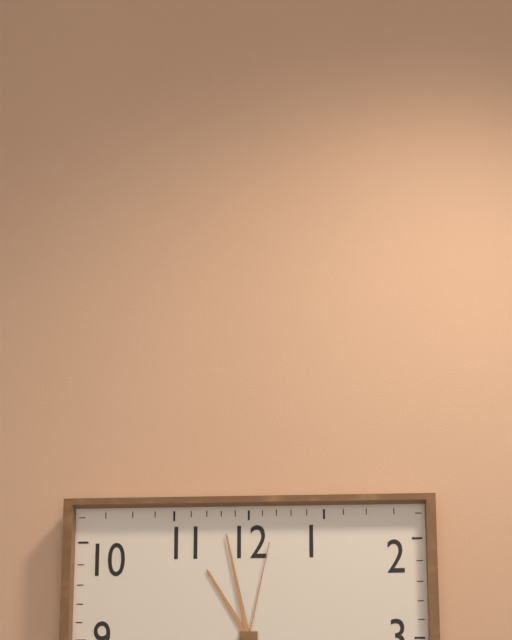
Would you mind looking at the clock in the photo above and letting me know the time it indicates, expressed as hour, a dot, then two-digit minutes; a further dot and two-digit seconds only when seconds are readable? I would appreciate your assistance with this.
10.58.02
